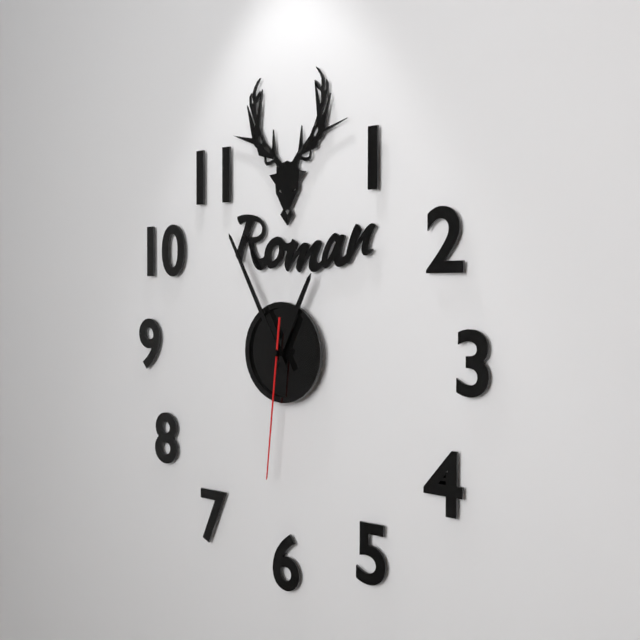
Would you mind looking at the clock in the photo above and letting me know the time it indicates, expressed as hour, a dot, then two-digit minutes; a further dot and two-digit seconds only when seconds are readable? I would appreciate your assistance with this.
12.55.31
